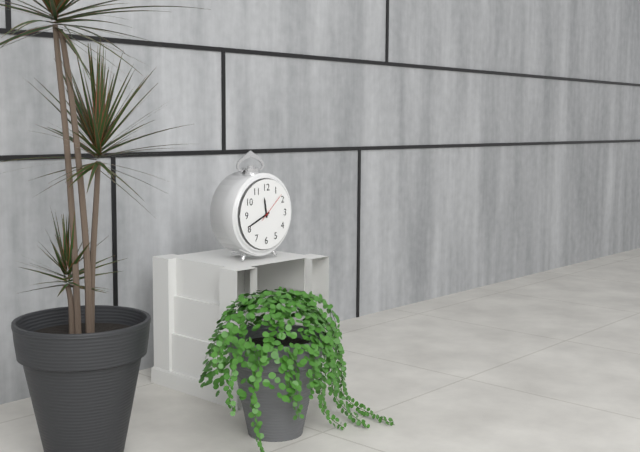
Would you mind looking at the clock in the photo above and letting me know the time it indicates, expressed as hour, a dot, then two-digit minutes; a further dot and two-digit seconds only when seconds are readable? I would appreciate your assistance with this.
11.41
